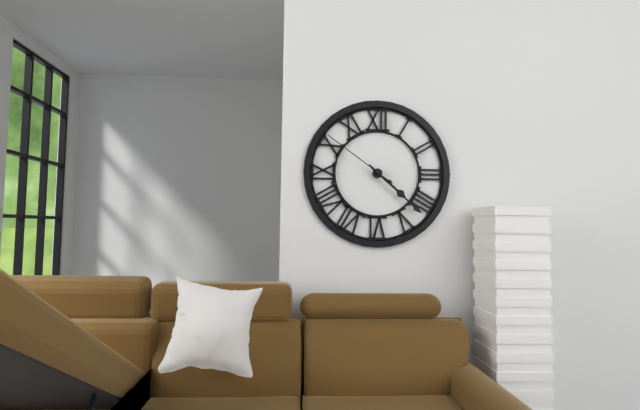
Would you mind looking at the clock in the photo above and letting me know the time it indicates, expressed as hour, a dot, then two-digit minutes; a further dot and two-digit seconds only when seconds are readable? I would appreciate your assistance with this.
4.22.51
